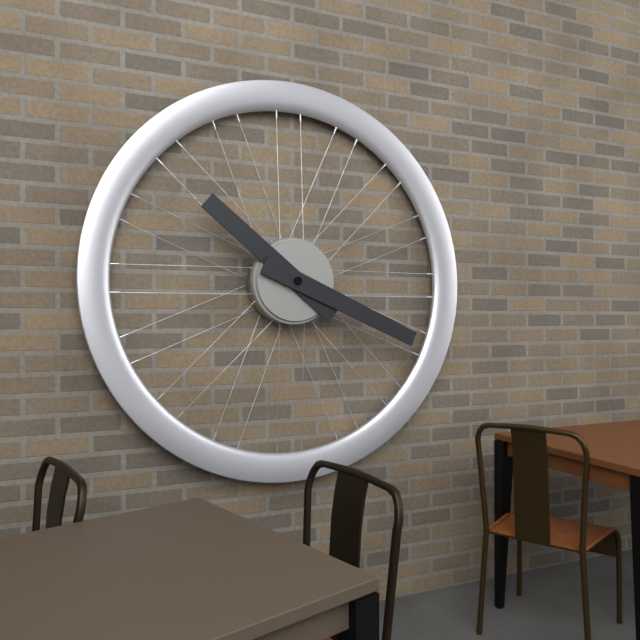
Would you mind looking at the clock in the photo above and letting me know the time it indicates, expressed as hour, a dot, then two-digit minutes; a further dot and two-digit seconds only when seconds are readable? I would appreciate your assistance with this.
10.19
